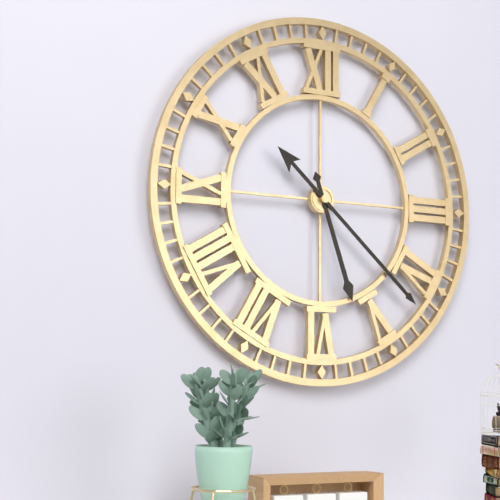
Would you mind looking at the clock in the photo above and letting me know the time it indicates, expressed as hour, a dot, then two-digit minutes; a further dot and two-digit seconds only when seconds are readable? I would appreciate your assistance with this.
5.22
